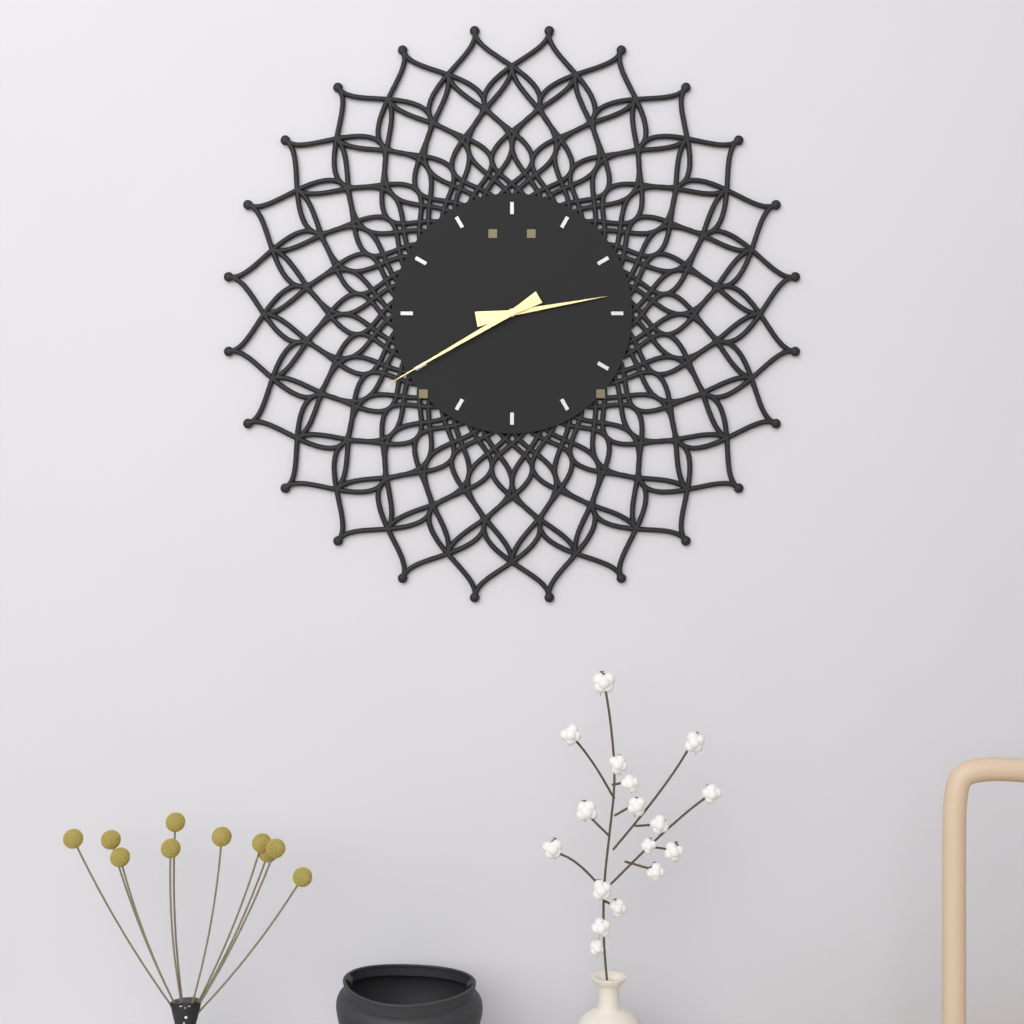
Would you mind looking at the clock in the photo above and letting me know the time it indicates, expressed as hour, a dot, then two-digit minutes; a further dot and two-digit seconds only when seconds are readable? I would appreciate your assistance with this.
2.40
